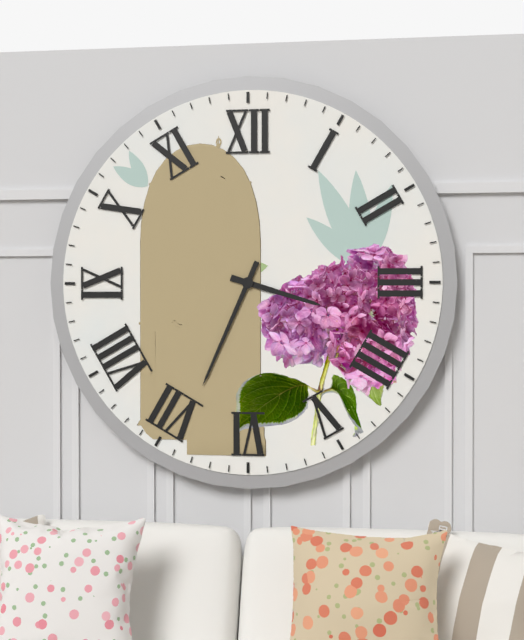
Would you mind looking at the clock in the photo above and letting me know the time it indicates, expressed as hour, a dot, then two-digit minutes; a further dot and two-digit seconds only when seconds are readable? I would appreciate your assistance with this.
3.34
